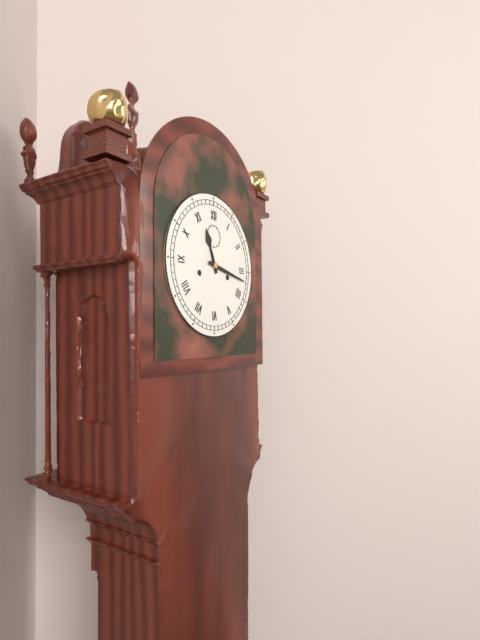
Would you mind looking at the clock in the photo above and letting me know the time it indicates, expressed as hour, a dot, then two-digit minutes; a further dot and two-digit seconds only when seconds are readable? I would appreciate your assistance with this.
11.17
